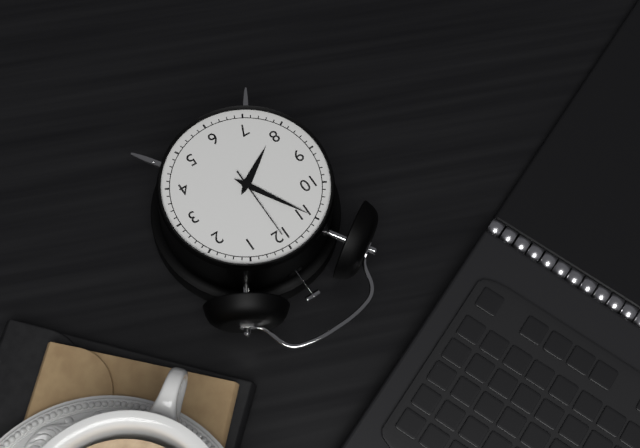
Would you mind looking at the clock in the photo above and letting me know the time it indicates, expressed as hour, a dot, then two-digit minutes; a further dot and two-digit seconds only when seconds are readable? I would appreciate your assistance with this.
7.55.00
